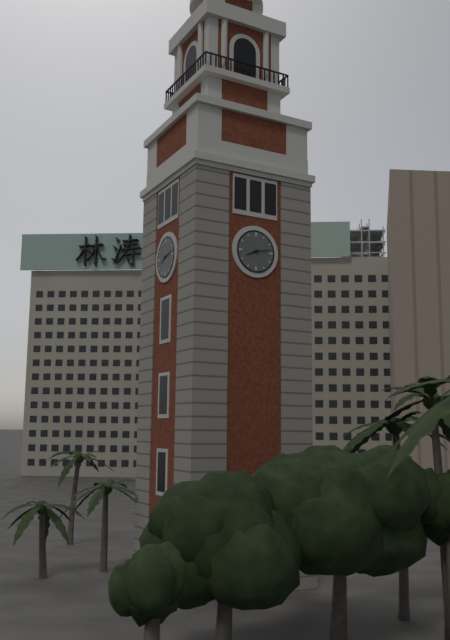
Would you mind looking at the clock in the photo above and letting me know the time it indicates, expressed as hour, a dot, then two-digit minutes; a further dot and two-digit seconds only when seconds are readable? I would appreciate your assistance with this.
8.13
